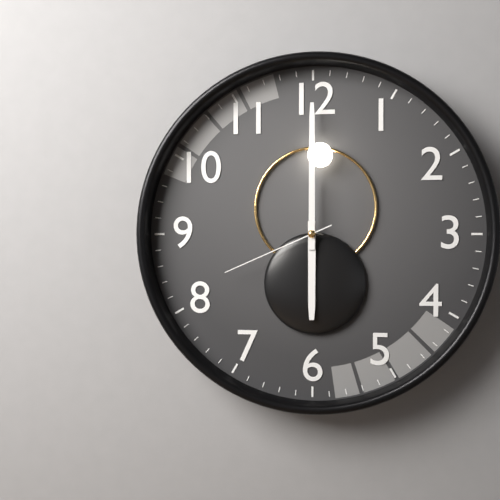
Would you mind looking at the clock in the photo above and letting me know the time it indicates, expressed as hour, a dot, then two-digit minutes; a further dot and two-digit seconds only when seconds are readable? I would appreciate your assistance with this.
6.00.41
